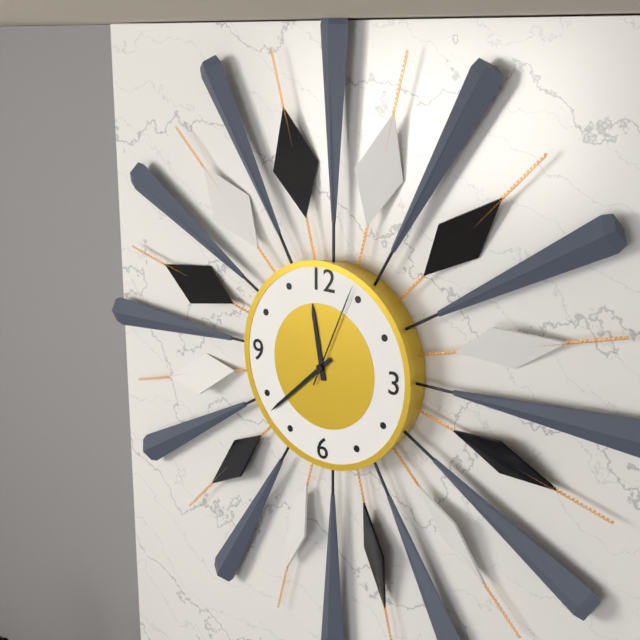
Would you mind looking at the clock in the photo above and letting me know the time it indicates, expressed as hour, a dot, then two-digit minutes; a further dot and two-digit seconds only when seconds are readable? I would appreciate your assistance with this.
11.38.04
